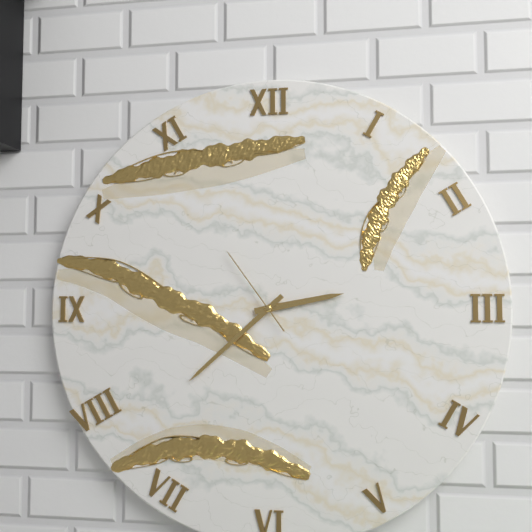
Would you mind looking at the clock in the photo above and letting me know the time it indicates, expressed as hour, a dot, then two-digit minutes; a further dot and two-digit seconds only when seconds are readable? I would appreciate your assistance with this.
2.38.54
